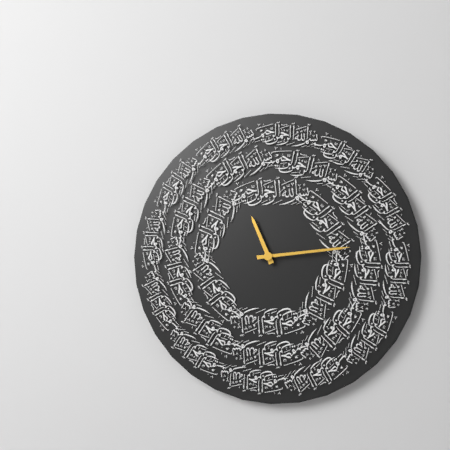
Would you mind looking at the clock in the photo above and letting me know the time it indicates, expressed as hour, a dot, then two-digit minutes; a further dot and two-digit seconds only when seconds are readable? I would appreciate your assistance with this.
11.14
